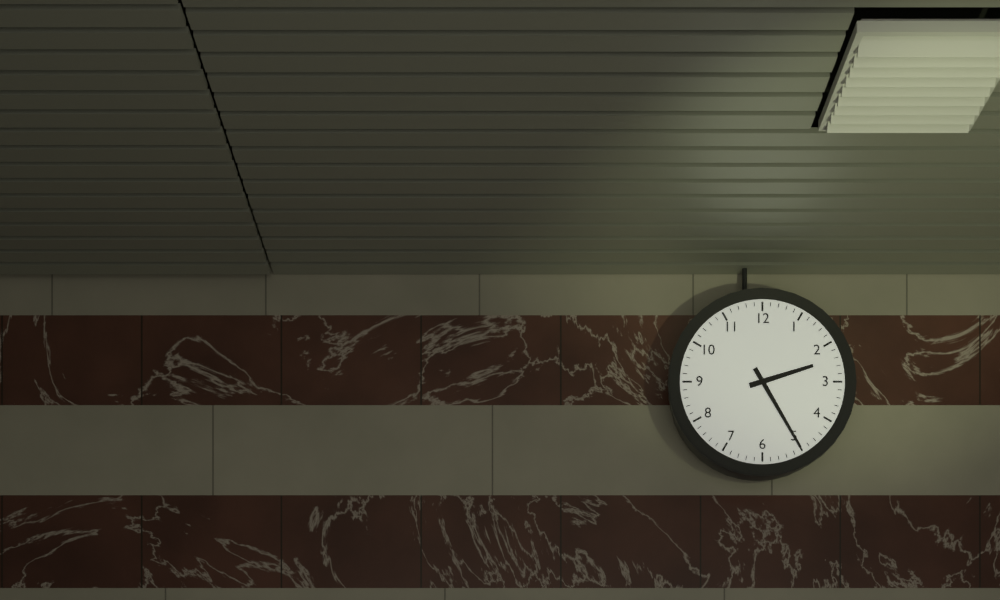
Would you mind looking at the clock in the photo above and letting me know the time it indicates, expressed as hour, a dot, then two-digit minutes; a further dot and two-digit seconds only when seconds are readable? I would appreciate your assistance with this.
2.25
